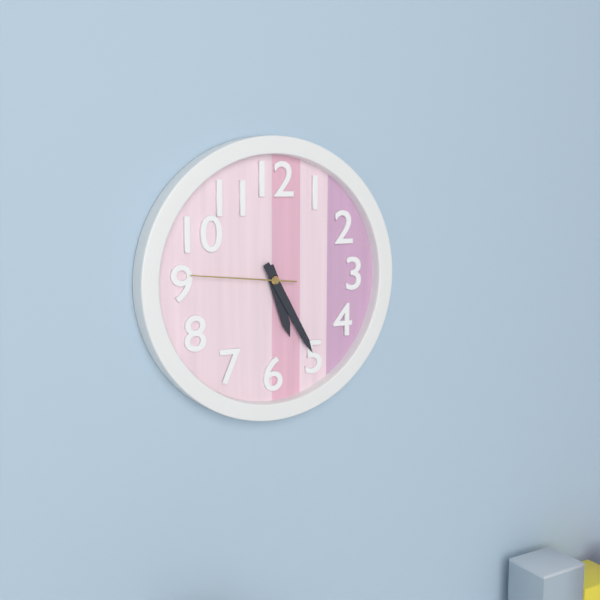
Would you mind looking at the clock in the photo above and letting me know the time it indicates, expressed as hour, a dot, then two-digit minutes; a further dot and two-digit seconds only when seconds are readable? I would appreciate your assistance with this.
5.25.46
